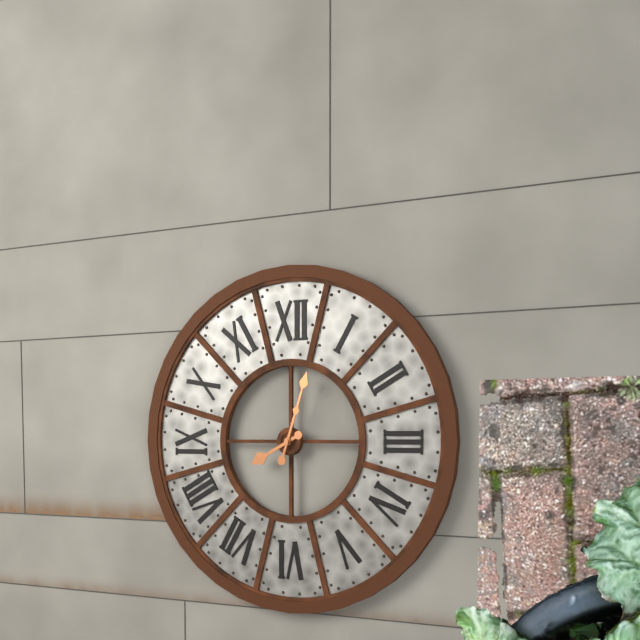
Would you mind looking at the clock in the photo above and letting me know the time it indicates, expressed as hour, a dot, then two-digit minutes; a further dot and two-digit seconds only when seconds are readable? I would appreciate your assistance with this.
8.03
